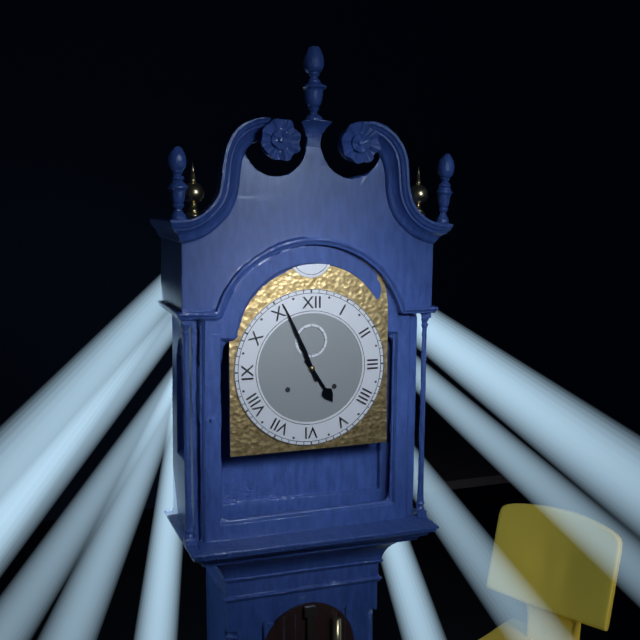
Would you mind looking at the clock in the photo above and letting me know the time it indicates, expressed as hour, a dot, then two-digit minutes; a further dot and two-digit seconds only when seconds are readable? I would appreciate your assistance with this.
4.56
